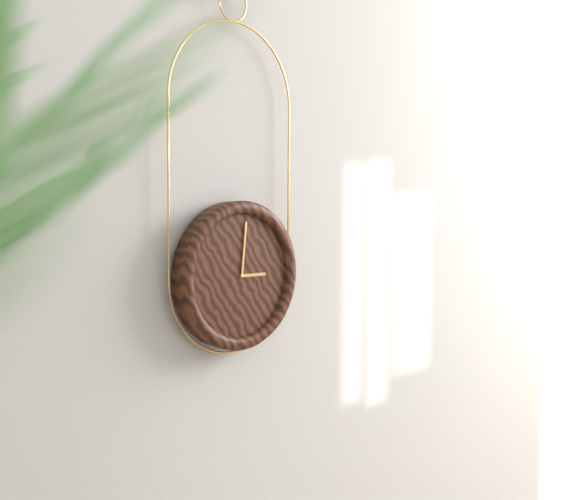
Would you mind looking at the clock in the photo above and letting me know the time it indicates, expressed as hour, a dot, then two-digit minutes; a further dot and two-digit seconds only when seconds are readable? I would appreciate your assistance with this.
3.01
